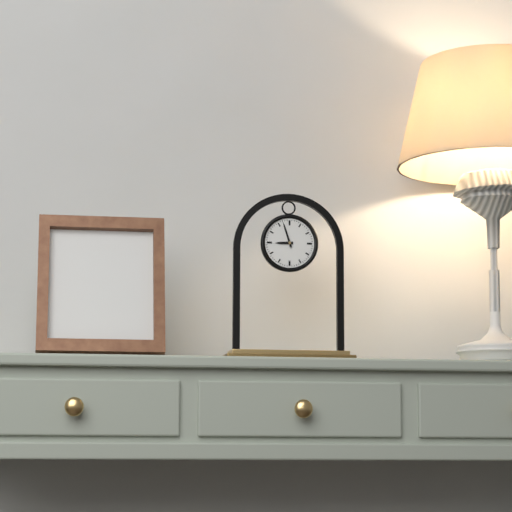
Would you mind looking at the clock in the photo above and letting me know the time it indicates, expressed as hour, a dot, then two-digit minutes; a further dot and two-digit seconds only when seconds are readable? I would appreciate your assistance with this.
8.57
